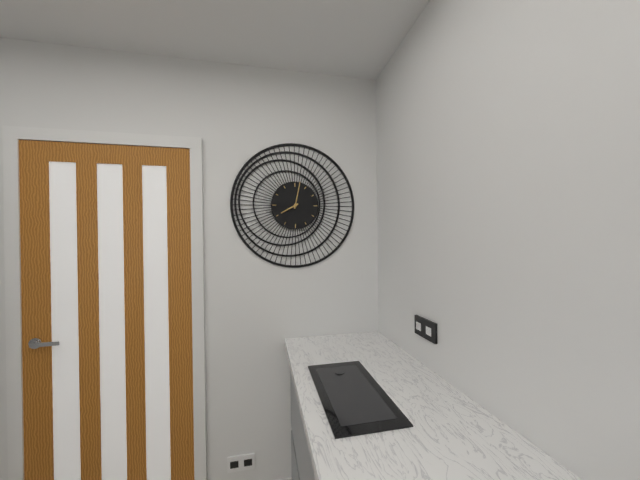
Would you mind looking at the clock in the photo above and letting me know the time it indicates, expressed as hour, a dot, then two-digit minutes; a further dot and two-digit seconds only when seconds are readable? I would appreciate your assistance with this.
8.02
